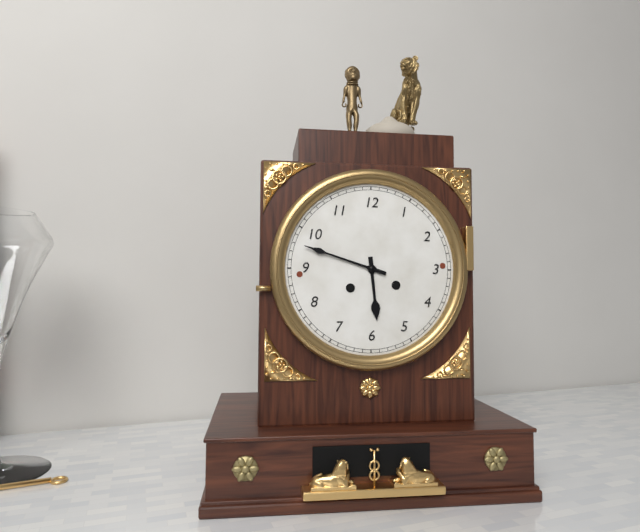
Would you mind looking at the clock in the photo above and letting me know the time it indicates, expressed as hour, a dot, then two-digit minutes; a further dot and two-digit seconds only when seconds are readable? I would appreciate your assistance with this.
5.48
